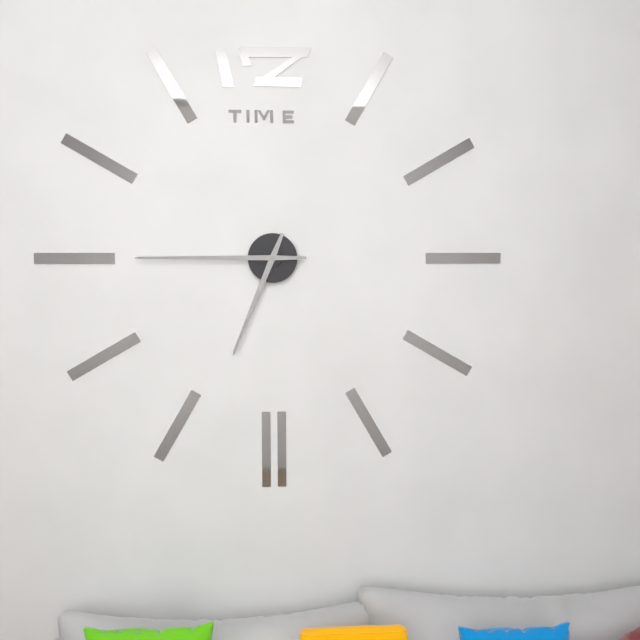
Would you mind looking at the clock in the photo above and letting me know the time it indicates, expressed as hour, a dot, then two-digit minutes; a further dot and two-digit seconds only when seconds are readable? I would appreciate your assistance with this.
6.45
